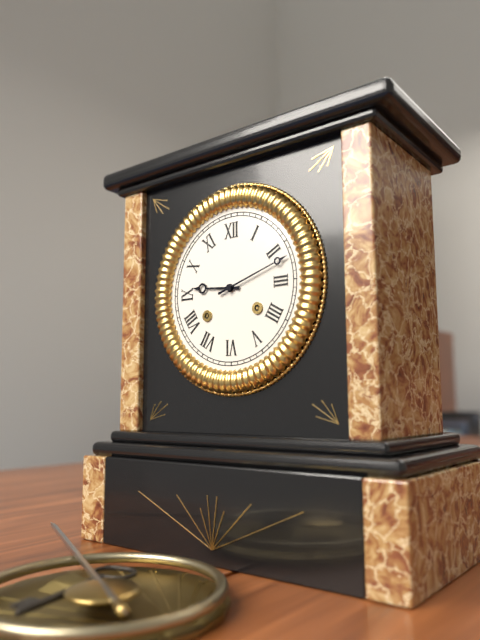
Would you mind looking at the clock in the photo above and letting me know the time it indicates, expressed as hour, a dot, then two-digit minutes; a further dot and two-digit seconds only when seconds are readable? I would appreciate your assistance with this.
9.12
